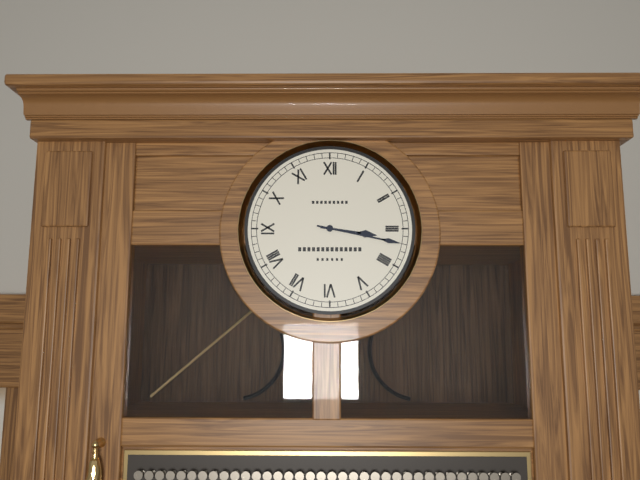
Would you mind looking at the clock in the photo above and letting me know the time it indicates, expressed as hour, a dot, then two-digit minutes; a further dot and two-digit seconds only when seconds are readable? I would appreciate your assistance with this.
3.17
